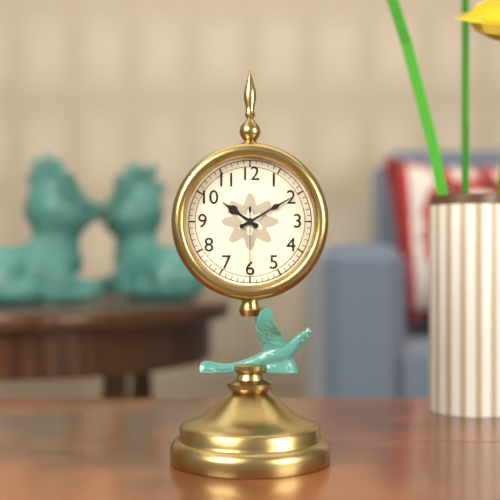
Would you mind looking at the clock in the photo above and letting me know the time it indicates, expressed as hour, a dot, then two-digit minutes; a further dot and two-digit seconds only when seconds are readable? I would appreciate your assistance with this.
10.10.30
